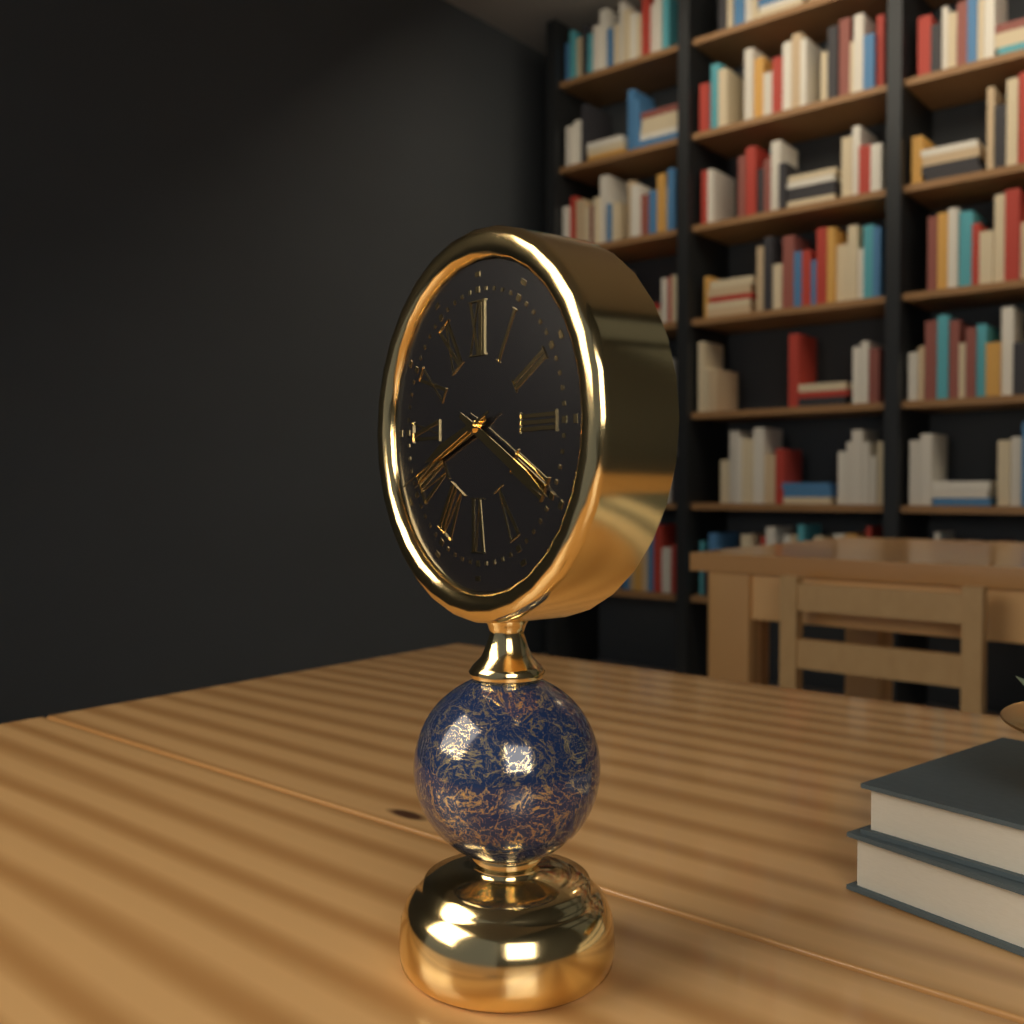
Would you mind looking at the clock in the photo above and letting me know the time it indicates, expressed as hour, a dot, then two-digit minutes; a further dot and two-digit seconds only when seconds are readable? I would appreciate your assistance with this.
8.20.41
